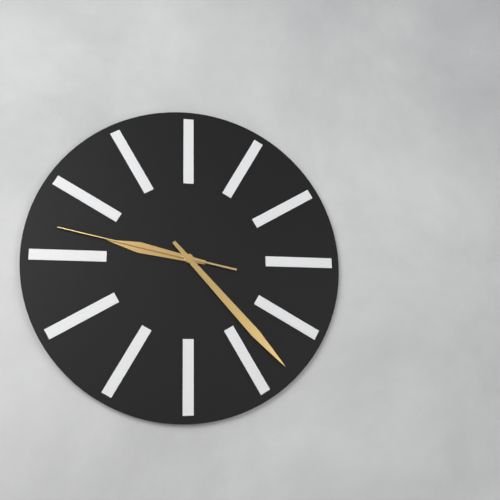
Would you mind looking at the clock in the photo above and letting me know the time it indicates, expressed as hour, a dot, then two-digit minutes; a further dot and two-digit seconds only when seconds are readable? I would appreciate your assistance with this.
9.23.47
